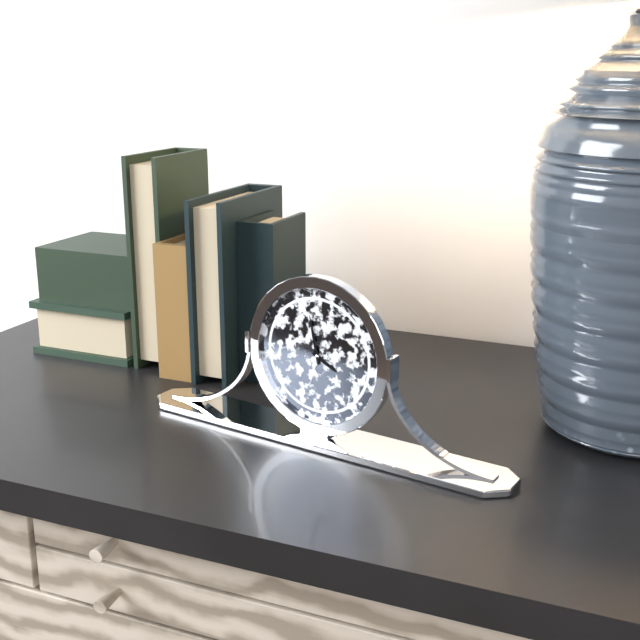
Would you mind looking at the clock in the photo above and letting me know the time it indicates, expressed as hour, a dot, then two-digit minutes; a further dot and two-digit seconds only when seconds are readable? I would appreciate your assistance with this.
3.58
